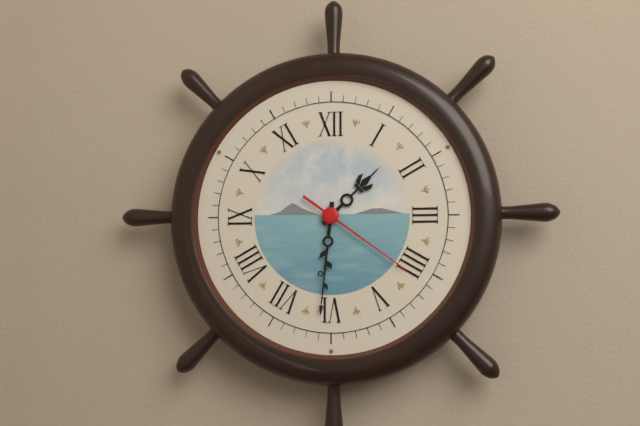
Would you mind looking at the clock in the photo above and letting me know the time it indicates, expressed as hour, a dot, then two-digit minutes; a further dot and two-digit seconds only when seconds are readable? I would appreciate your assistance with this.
1.31.21
